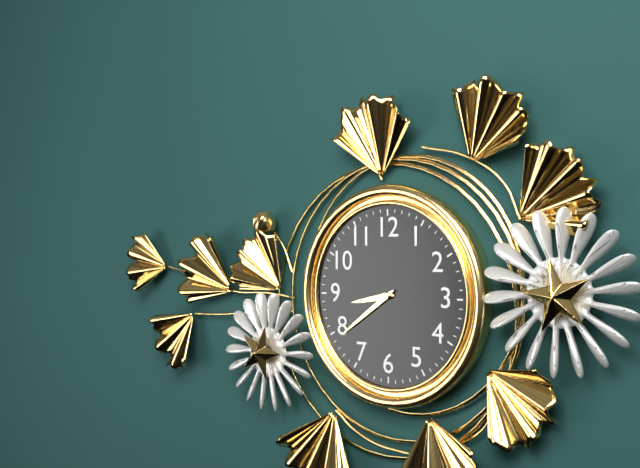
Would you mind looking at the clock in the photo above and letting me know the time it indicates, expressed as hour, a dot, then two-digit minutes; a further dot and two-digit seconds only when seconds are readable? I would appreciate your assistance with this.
8.39
